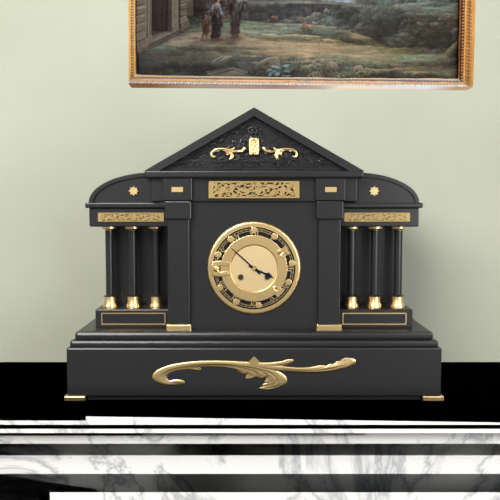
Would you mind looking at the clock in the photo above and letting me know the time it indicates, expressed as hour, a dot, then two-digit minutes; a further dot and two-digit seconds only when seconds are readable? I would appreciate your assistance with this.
3.52
